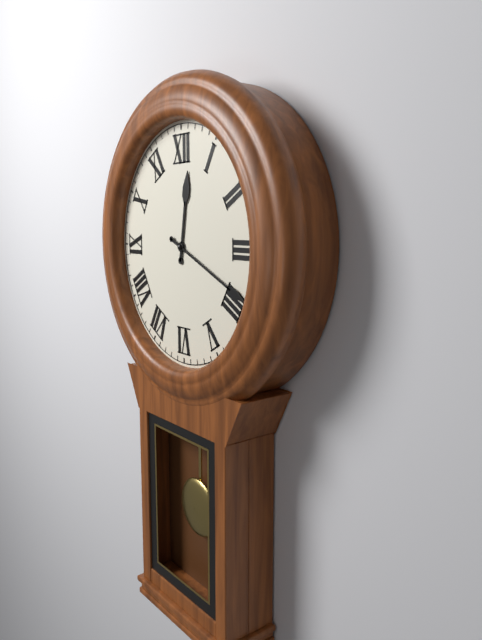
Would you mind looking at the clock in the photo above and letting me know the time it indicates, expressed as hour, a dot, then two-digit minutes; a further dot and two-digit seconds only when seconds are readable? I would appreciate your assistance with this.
12.19
